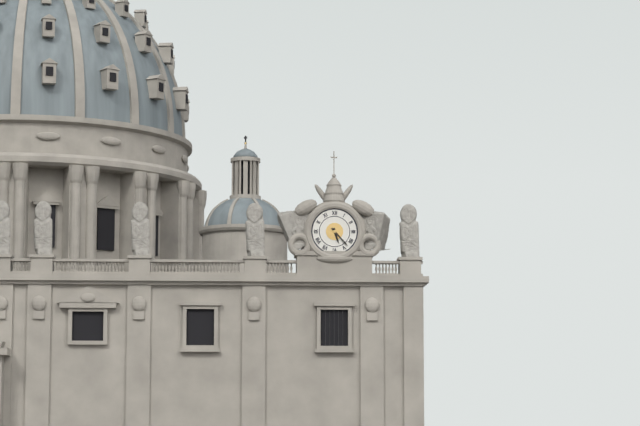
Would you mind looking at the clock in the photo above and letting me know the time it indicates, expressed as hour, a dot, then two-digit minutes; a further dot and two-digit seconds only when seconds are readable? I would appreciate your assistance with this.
5.23
